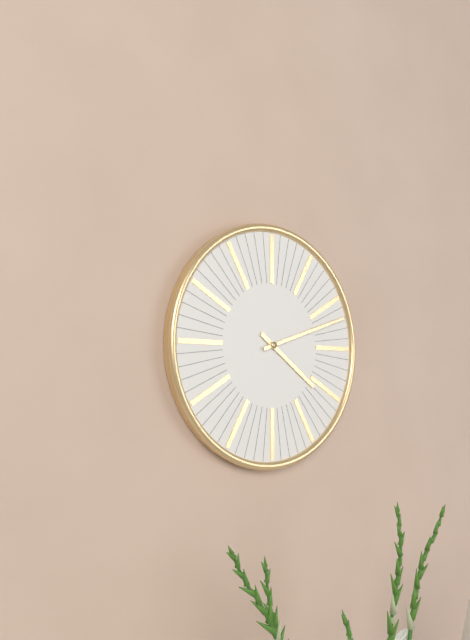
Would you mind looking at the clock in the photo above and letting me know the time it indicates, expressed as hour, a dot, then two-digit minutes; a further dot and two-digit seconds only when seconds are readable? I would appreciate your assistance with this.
4.12
